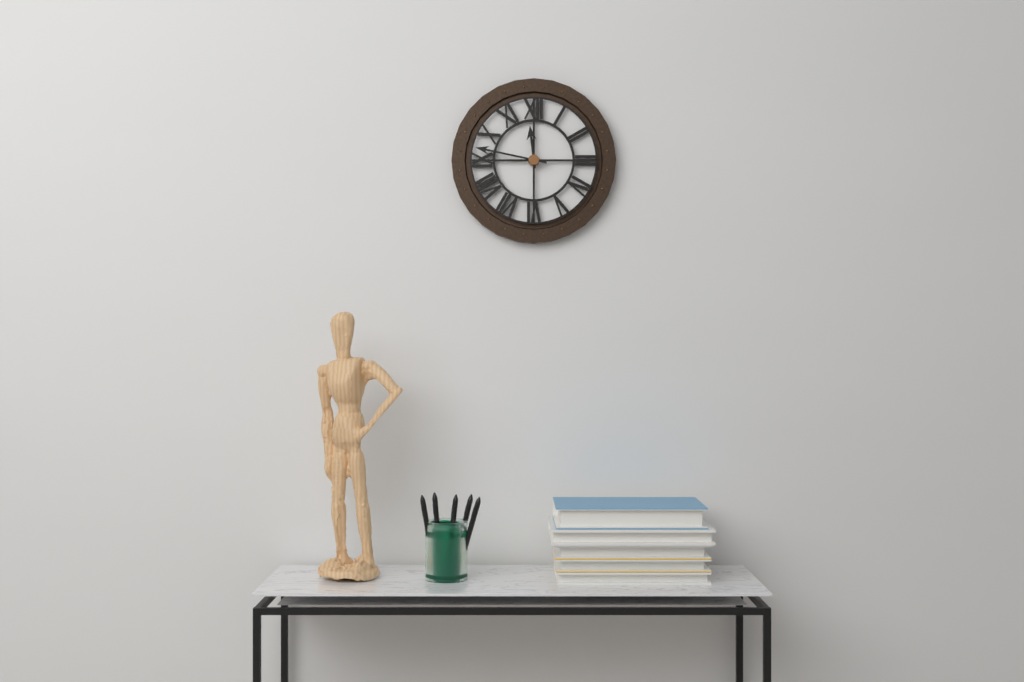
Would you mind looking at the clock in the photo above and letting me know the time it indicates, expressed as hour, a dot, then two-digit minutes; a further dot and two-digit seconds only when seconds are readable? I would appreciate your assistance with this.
11.47
